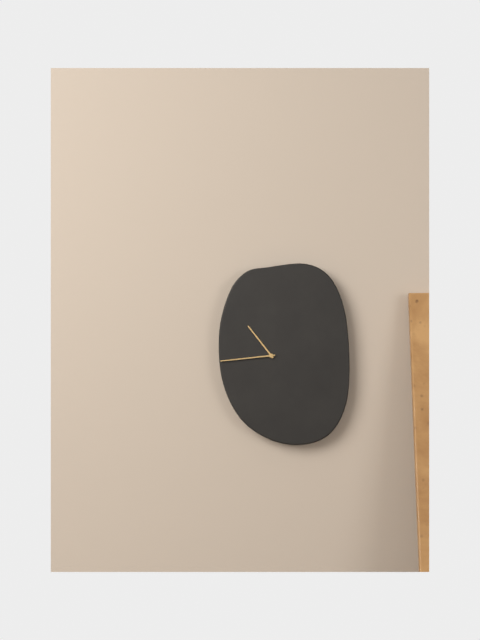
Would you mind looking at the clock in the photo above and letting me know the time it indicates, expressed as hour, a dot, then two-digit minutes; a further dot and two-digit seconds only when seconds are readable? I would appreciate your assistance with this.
10.44
